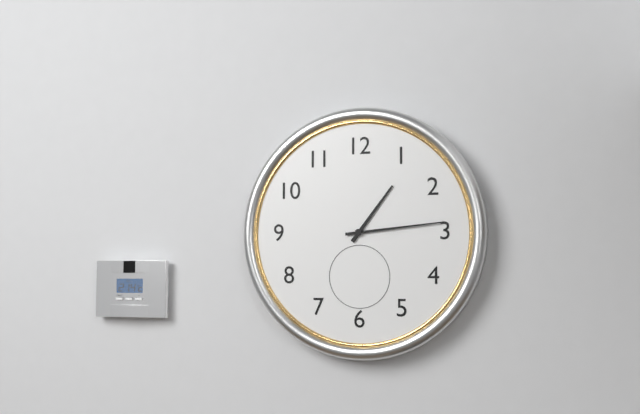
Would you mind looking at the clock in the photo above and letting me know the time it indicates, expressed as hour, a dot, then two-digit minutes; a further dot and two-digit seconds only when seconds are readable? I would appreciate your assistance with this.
1.14
